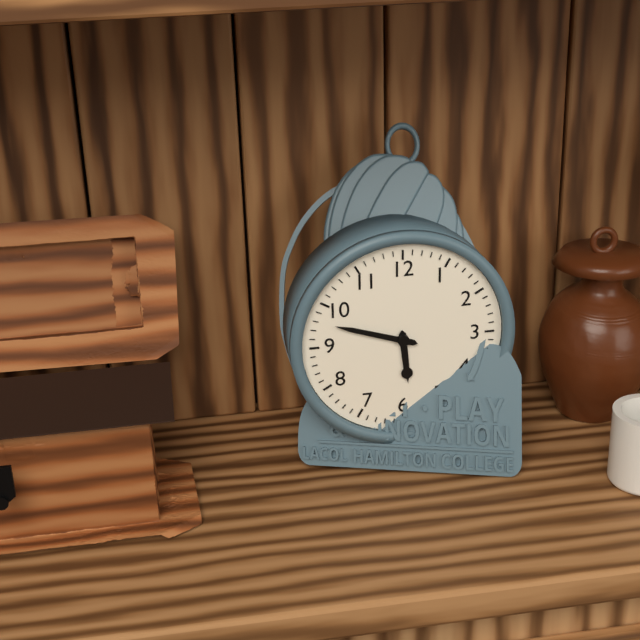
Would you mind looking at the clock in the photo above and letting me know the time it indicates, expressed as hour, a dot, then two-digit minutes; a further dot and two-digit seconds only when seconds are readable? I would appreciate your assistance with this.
5.48
